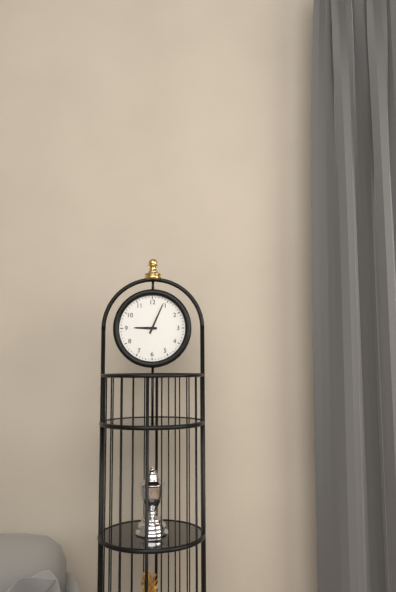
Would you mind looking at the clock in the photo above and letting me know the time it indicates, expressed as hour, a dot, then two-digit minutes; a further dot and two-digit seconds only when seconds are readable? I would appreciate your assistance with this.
9.04
